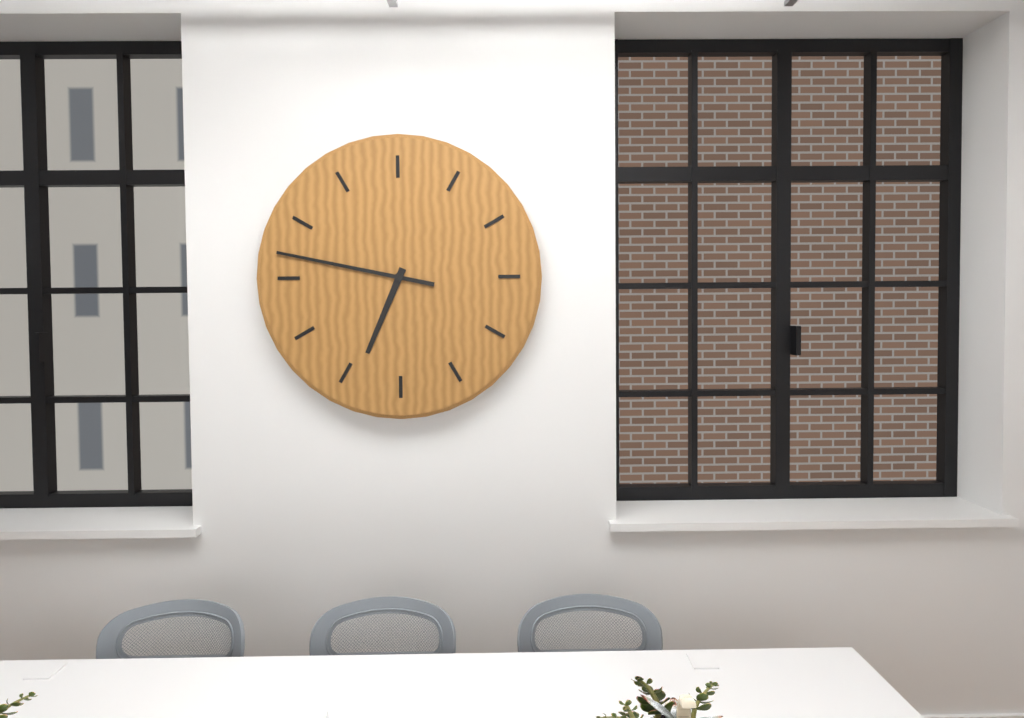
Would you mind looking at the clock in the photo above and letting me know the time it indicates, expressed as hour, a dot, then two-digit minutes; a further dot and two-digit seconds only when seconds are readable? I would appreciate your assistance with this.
6.47
